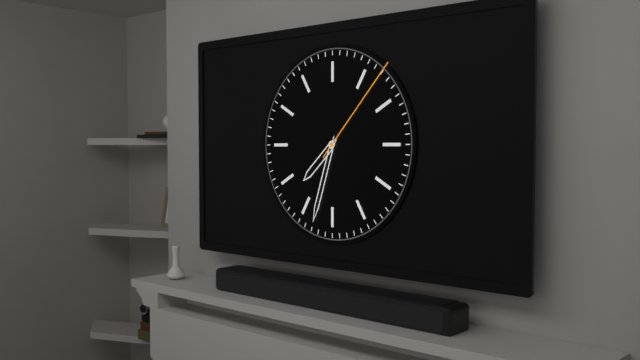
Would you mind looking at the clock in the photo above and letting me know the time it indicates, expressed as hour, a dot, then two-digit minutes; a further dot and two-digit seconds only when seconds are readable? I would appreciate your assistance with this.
7.33.07
